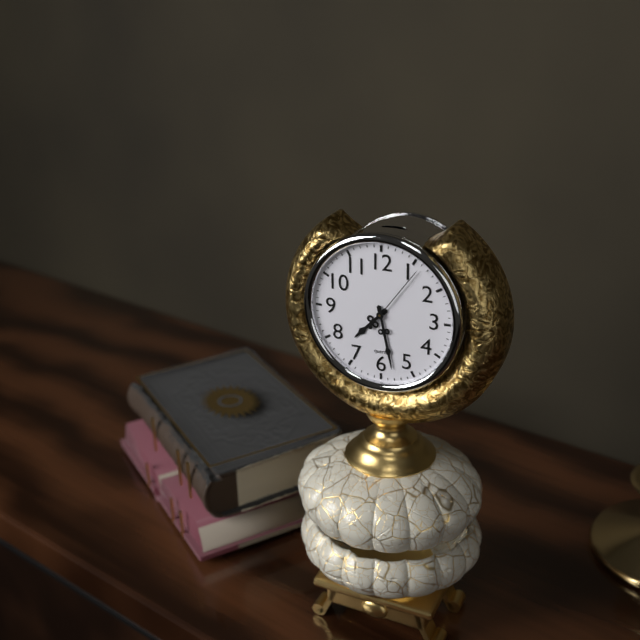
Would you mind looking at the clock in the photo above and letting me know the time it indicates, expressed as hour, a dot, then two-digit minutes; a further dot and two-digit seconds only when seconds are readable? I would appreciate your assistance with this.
7.28.06
